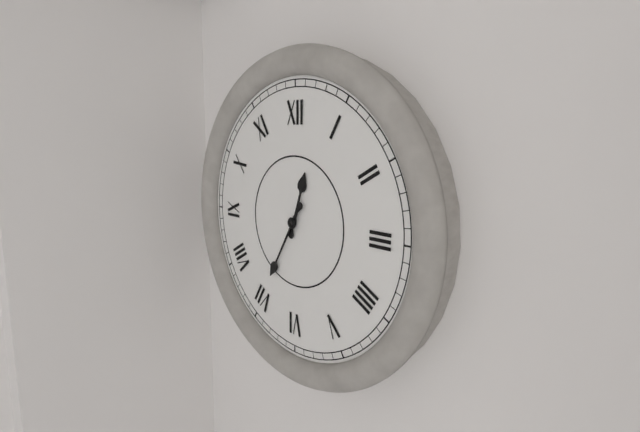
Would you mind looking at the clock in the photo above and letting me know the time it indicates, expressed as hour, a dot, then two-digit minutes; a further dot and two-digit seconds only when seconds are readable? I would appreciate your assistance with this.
12.35
